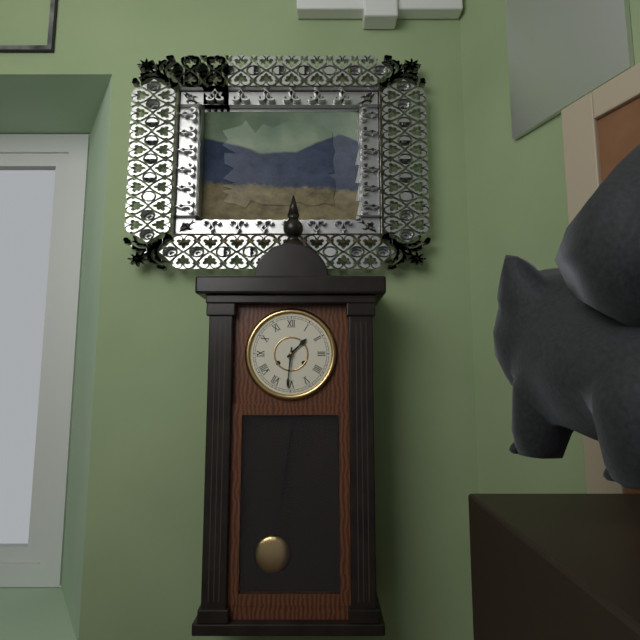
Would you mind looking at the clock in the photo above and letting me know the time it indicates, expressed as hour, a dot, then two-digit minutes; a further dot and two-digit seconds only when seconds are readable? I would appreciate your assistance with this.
1.31
